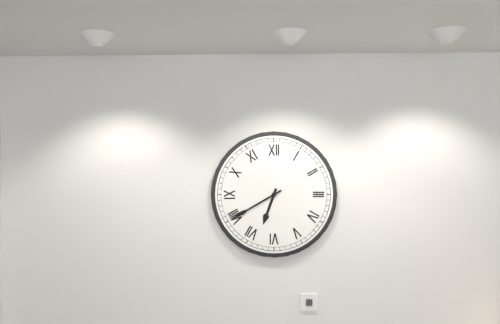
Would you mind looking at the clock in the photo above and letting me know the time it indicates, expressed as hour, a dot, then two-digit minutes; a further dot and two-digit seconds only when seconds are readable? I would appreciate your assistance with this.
6.40
